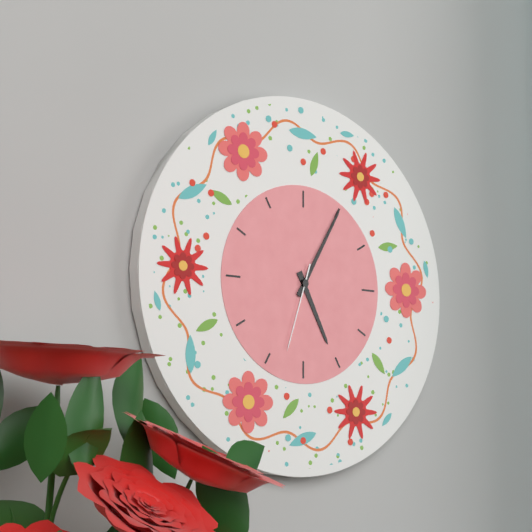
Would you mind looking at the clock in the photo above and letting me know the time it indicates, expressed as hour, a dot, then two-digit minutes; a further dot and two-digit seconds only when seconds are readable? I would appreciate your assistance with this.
5.05.33
